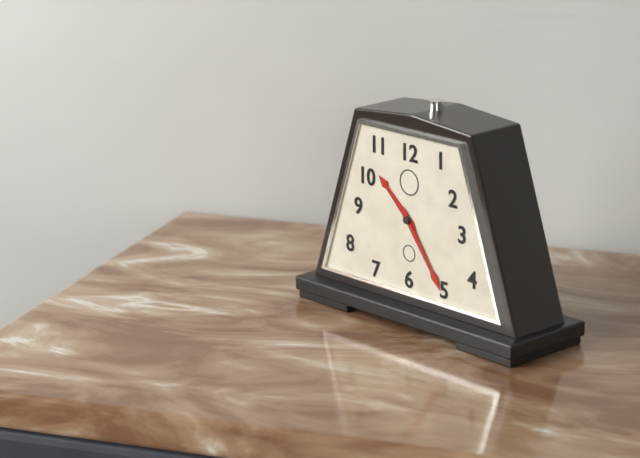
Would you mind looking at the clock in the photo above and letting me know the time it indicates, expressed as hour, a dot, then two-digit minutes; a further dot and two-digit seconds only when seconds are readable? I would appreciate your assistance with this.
10.24
